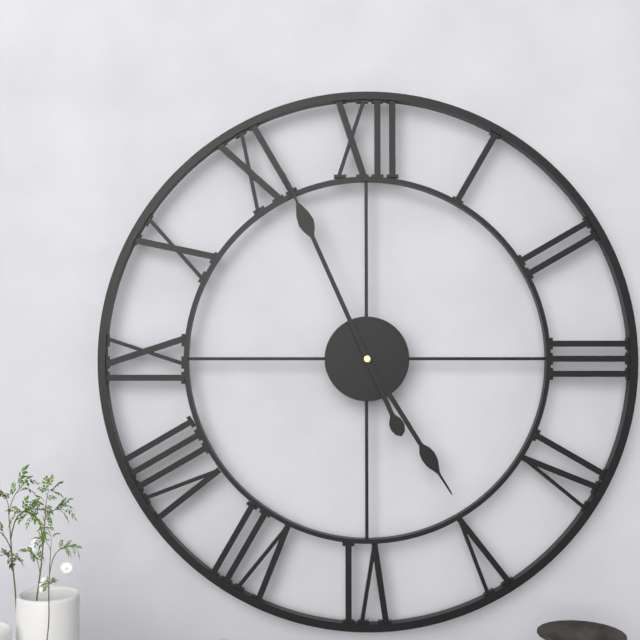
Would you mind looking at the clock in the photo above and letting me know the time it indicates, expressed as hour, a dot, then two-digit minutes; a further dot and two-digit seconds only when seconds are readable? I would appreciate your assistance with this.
4.56
